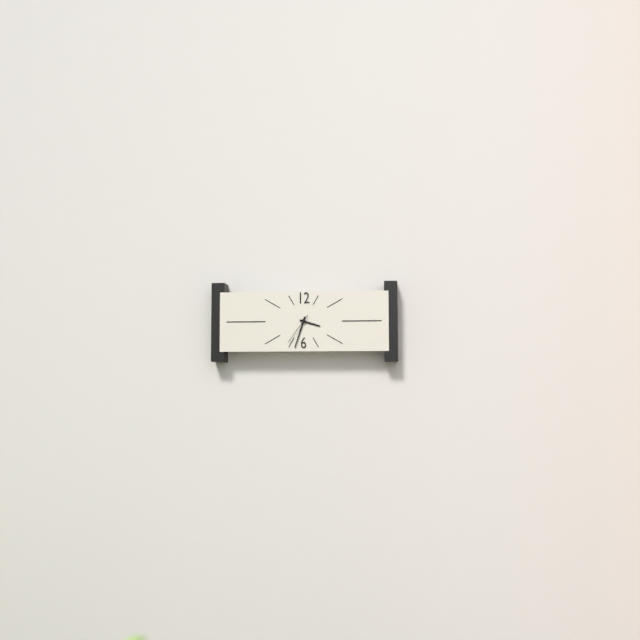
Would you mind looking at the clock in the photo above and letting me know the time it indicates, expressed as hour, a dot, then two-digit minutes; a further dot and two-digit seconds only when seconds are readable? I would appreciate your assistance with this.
3.33
